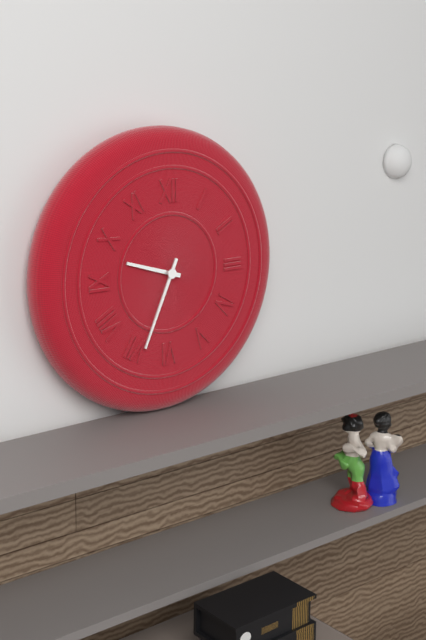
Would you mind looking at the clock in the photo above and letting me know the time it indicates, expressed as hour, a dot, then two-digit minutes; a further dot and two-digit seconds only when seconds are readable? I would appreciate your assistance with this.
9.34
